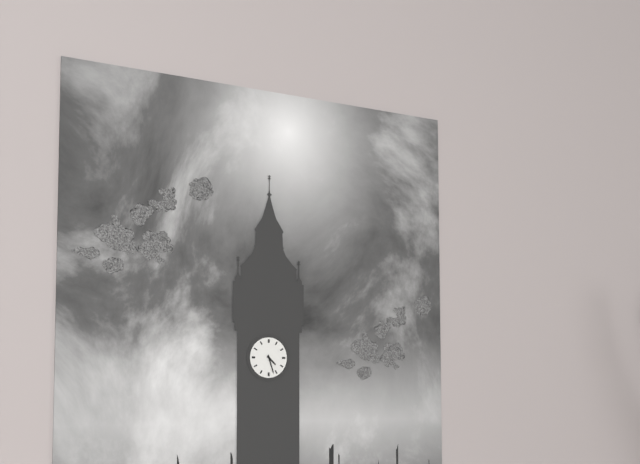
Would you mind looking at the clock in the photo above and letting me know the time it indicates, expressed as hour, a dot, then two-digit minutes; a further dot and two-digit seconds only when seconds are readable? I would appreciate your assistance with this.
4.27
